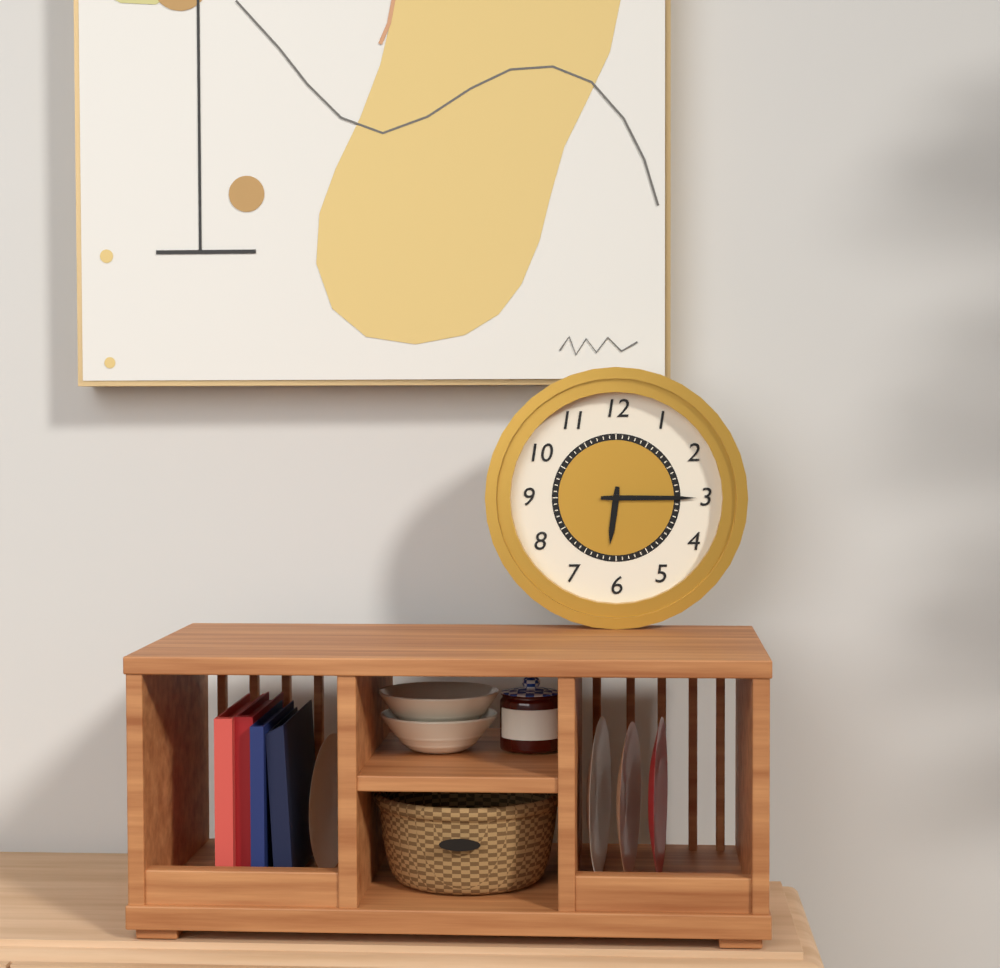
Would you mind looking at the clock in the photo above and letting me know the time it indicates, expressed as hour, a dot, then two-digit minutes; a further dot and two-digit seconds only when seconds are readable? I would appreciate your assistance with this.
6.15
